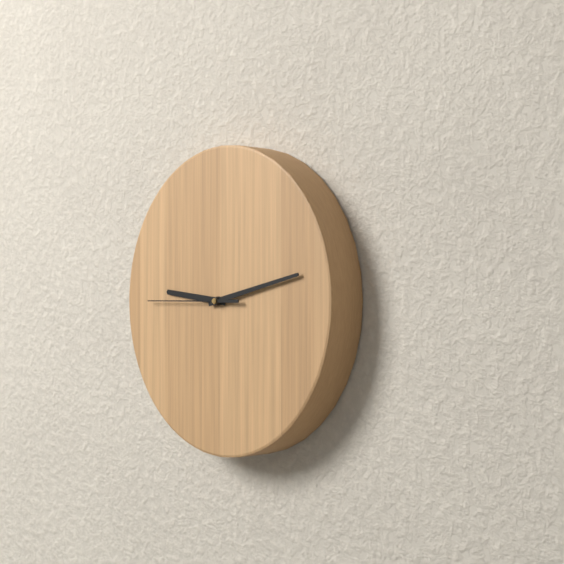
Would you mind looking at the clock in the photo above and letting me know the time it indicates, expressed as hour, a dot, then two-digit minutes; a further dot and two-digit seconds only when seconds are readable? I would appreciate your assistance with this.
9.13.45
